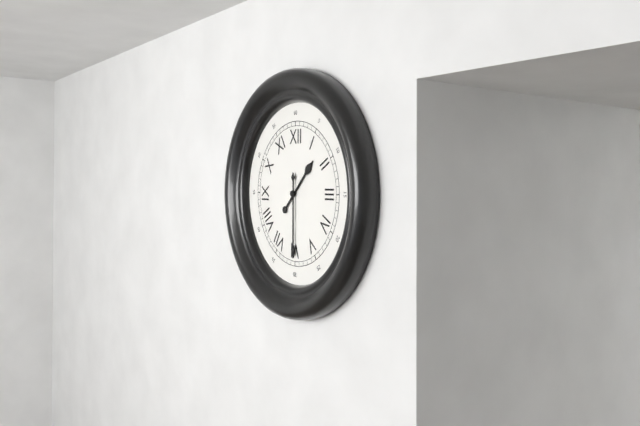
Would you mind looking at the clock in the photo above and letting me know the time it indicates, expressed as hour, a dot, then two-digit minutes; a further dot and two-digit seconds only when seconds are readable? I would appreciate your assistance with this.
1.30
